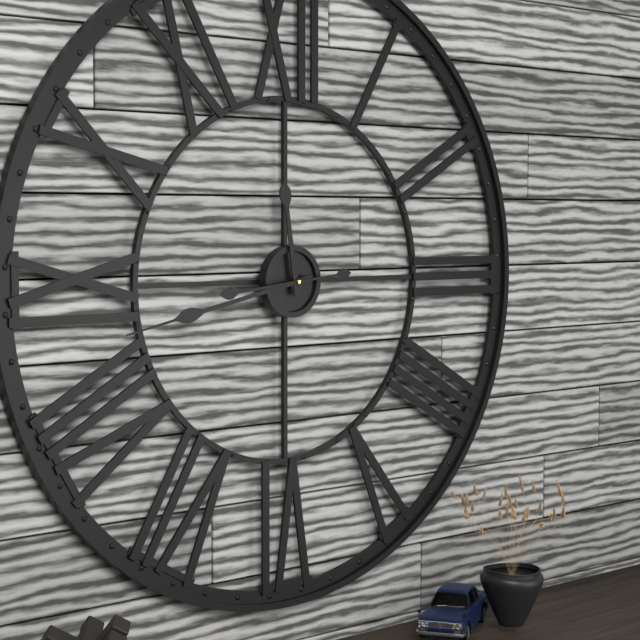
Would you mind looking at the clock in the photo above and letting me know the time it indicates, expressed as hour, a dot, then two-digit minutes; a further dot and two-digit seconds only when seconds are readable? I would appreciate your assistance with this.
11.43.44
